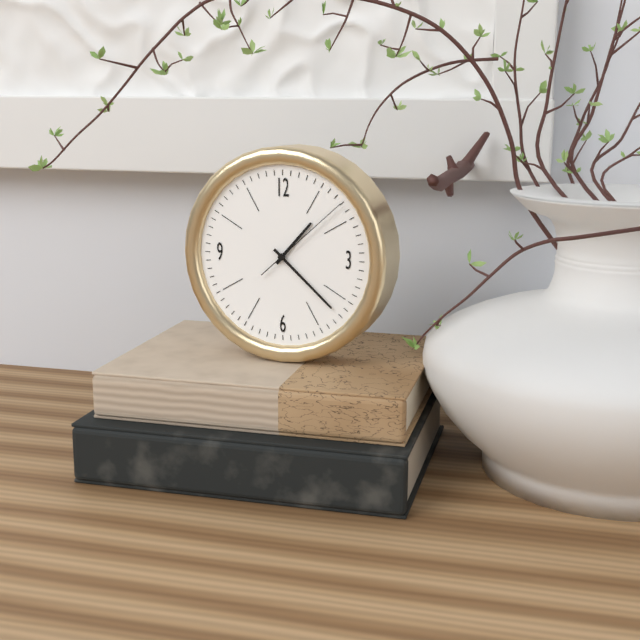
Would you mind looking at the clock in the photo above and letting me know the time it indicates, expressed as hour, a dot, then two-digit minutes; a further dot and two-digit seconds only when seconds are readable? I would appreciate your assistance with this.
1.22.08
